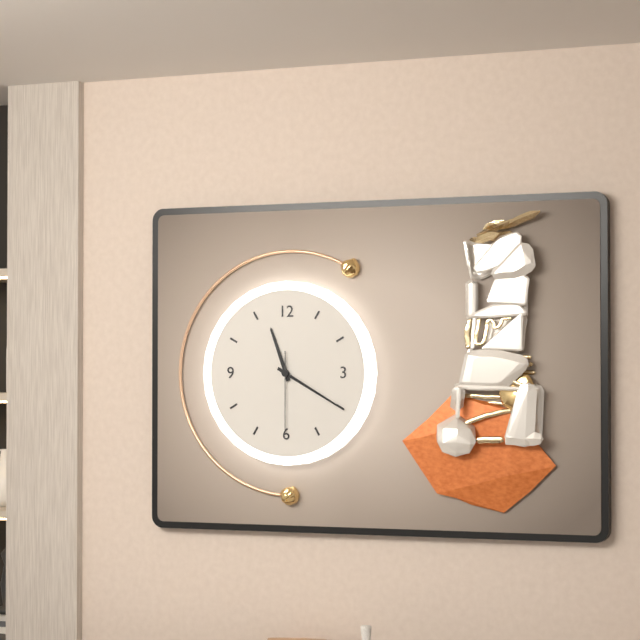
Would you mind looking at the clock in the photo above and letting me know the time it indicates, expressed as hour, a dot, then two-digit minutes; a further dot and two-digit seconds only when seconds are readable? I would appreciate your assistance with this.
11.20.30
